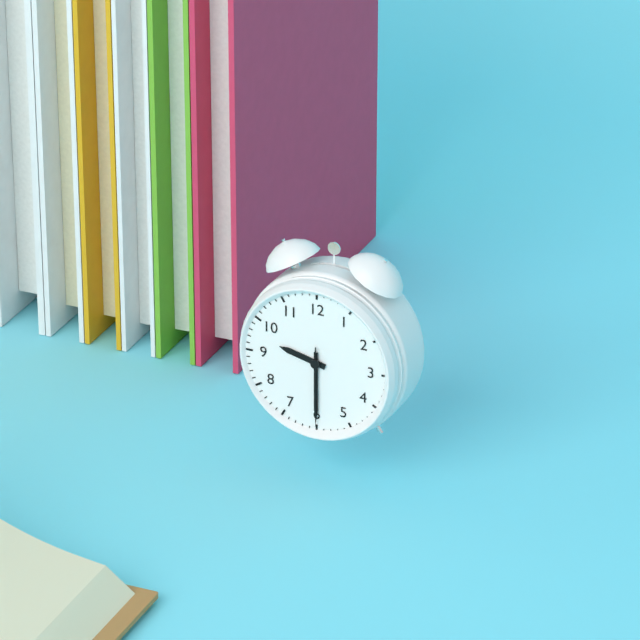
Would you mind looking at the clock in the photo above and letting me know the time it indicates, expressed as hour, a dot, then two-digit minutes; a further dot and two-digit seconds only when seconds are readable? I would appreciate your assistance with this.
9.30.30
